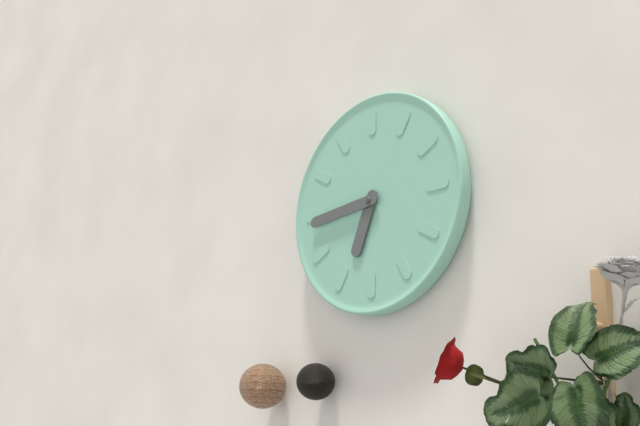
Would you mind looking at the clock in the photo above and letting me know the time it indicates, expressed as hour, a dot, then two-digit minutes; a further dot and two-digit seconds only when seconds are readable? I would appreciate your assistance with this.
6.44
